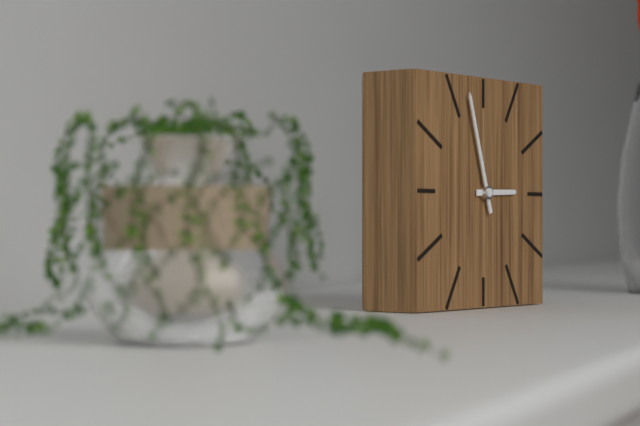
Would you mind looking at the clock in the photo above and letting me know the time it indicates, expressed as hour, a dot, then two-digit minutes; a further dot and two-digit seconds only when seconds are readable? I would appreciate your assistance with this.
2.57
